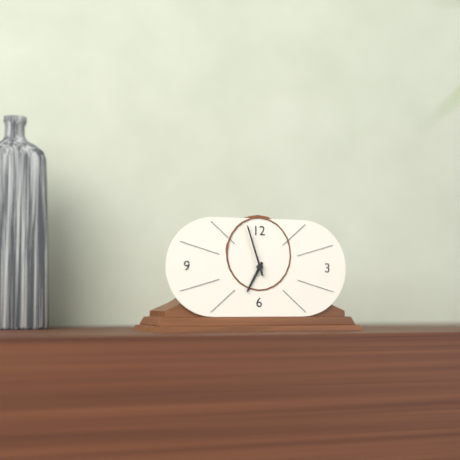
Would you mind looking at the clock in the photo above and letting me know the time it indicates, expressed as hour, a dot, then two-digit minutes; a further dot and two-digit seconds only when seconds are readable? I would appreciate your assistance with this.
6.57
